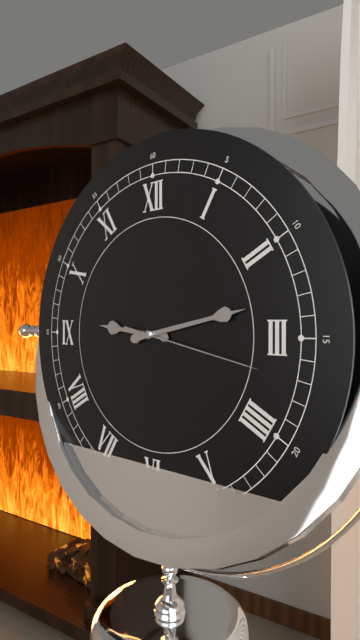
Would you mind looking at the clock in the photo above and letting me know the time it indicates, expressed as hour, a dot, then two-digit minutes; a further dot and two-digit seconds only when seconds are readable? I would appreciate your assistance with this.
9.13.17
